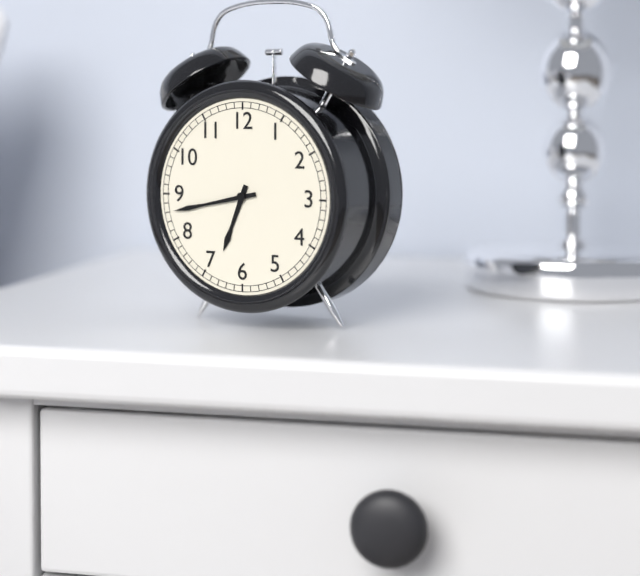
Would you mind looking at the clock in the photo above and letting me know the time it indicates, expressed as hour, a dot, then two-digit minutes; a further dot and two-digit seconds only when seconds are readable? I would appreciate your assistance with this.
6.43
